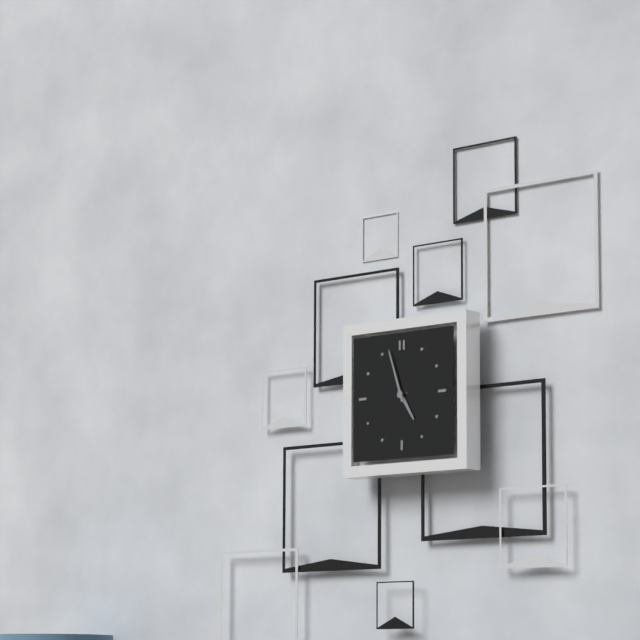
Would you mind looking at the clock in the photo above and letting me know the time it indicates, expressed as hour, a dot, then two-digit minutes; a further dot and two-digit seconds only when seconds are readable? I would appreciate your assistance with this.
4.57
